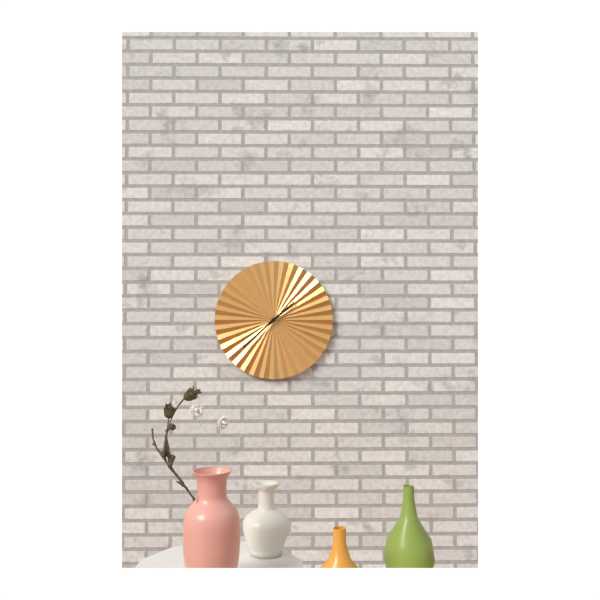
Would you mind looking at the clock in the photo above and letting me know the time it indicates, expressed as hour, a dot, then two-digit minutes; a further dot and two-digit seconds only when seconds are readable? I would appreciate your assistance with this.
1.38
